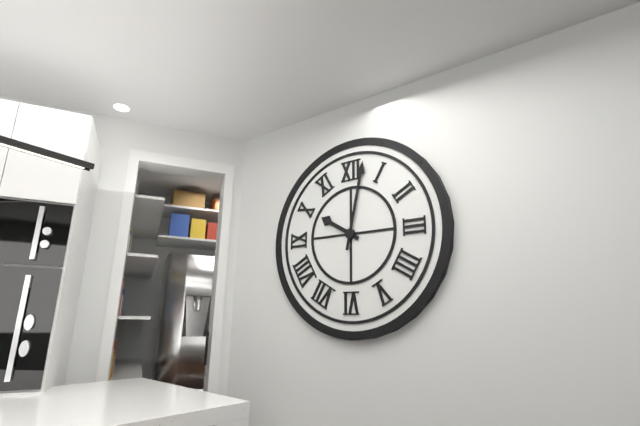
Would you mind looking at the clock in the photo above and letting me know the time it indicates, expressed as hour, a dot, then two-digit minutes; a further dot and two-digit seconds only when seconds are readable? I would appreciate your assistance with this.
10.02
